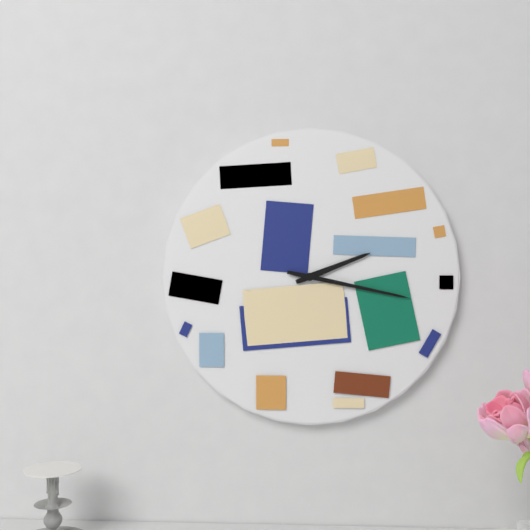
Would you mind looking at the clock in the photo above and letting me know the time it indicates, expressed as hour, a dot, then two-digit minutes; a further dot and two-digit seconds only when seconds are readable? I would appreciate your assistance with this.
2.17
